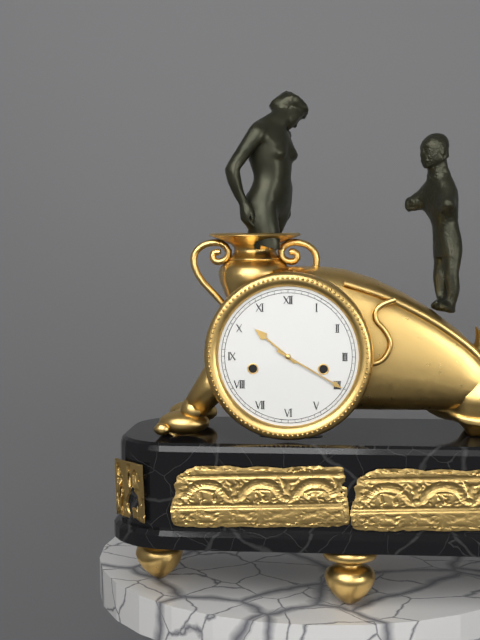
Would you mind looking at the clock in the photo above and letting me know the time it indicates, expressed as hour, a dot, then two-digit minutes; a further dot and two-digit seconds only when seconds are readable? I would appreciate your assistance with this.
10.20
